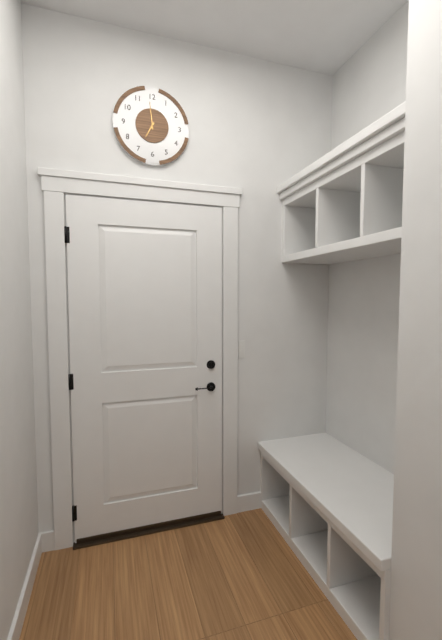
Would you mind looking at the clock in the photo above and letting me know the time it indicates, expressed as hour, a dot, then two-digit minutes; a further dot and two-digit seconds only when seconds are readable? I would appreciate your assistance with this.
6.59
